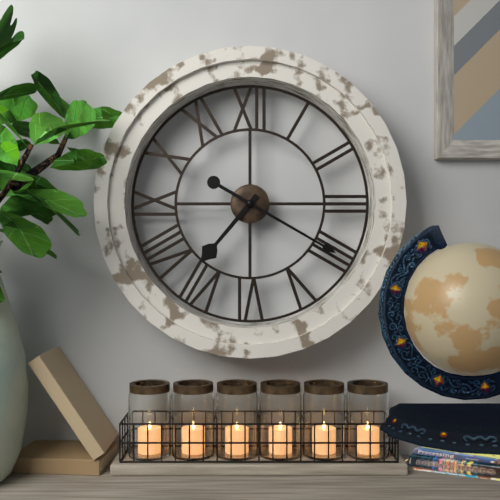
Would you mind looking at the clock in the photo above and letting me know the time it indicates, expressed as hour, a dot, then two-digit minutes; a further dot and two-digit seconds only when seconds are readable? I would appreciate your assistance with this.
7.20
